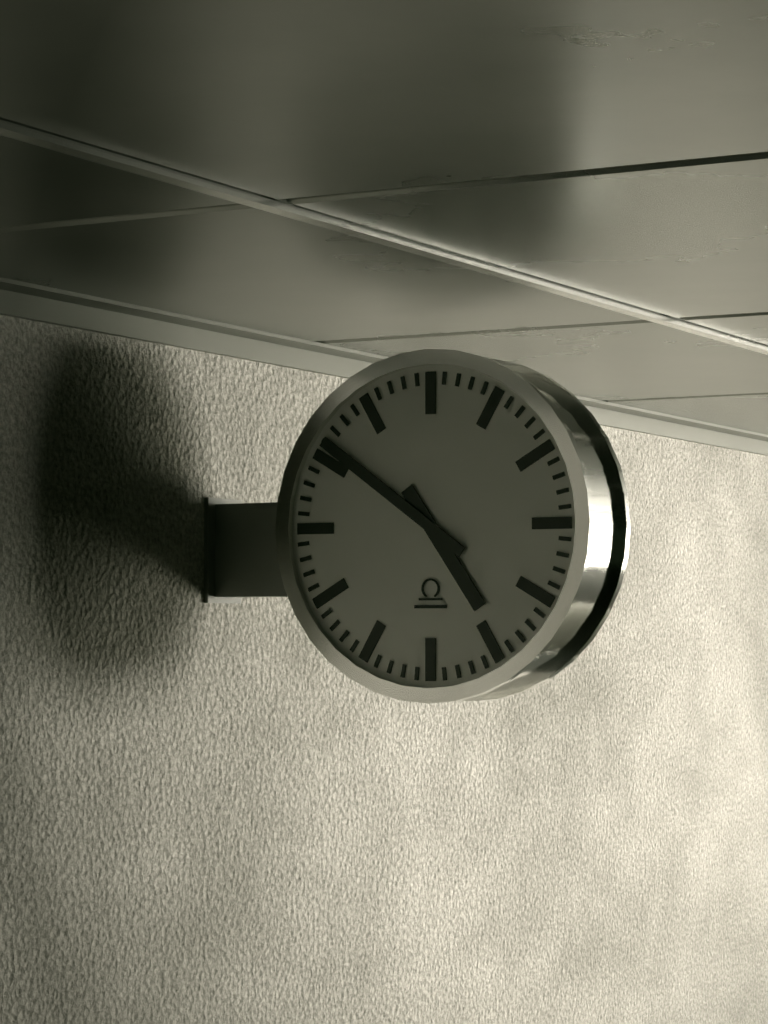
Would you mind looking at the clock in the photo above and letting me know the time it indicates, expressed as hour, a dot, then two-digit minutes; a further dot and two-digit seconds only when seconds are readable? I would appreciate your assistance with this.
4.51
